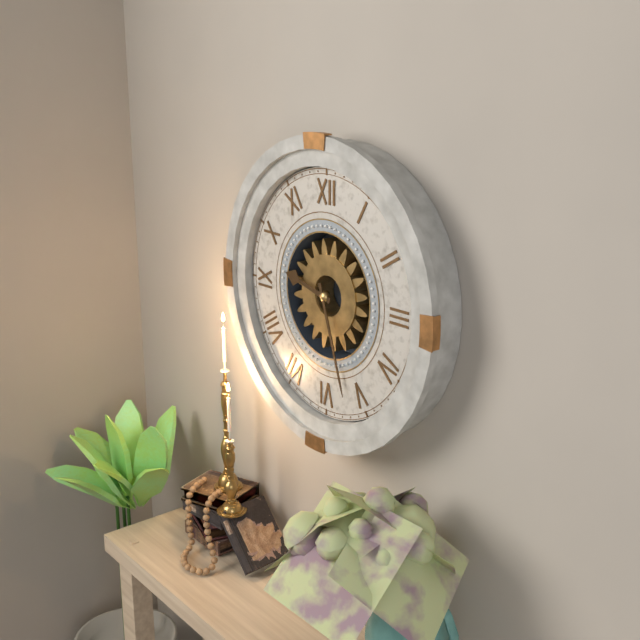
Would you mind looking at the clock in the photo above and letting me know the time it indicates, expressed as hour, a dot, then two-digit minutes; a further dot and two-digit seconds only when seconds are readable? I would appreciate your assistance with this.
9.27
